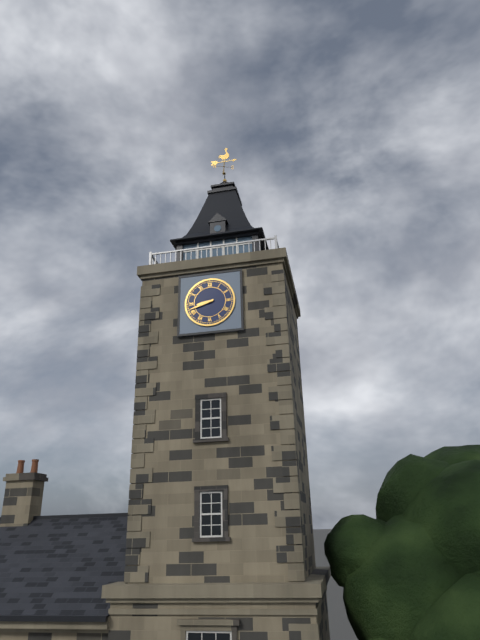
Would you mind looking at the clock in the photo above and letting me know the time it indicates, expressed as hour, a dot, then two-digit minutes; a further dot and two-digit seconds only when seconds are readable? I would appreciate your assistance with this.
8.42
